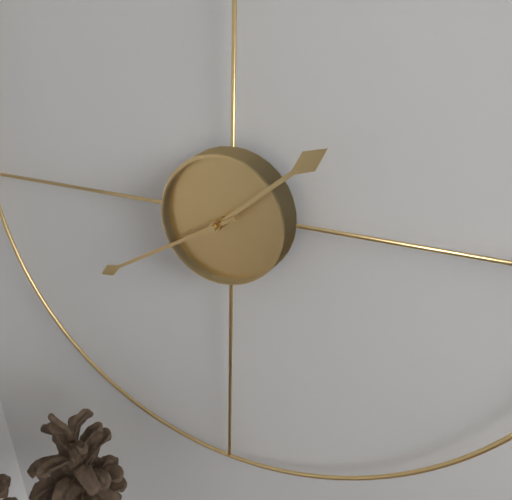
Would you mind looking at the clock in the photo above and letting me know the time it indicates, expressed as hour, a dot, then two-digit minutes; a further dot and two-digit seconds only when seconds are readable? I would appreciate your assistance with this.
1.40
